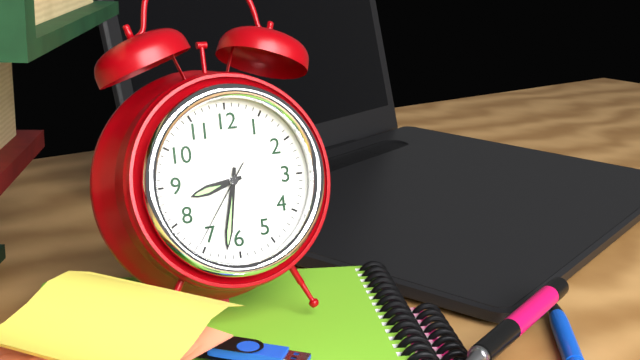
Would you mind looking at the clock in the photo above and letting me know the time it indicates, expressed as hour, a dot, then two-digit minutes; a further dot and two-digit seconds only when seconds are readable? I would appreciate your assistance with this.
8.32.36
